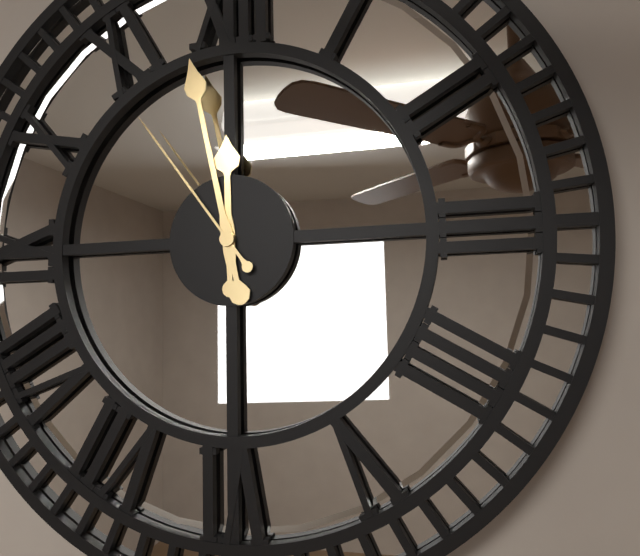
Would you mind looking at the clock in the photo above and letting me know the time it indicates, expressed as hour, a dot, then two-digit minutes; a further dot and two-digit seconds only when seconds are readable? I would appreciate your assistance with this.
11.58.54
